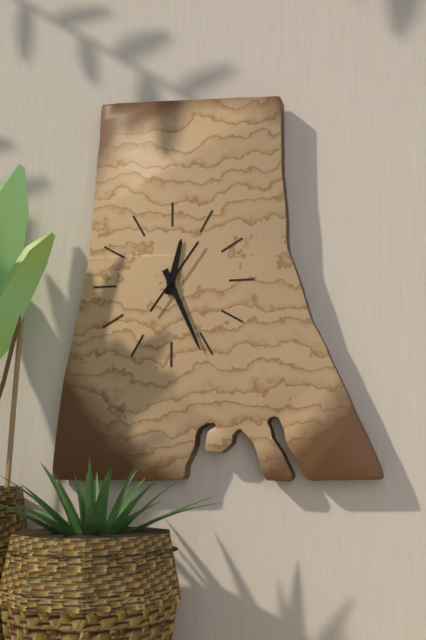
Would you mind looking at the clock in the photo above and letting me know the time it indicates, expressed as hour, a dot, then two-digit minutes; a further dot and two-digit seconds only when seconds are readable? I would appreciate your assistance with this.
12.26.06
